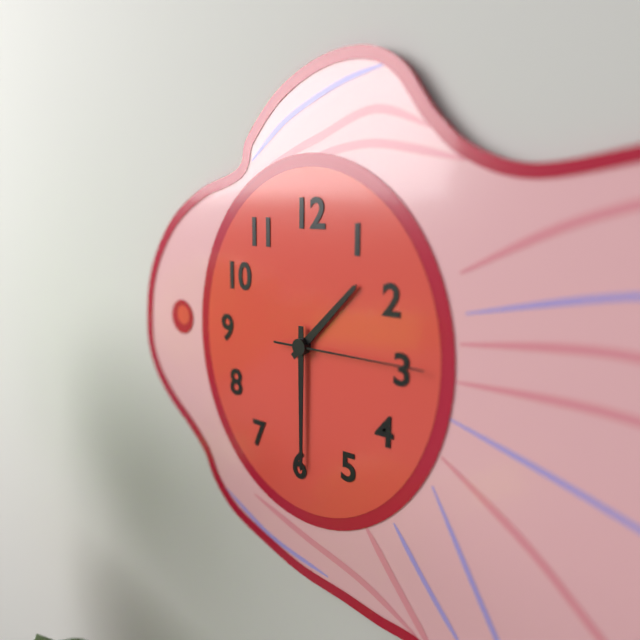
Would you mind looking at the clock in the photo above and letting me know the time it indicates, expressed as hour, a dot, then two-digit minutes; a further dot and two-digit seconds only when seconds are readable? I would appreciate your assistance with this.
1.30.15
